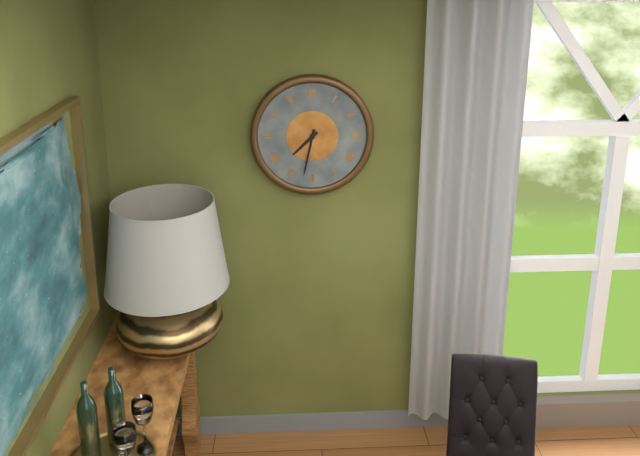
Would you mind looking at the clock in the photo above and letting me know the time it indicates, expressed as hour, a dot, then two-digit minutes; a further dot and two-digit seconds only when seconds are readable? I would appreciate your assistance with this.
7.32
